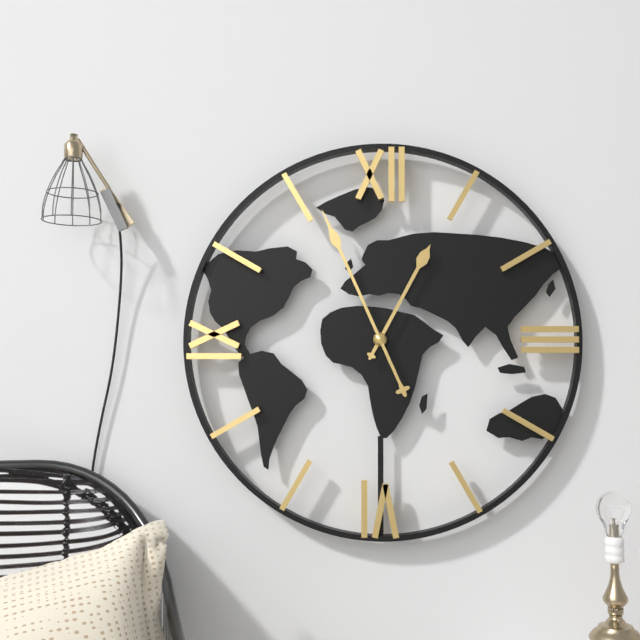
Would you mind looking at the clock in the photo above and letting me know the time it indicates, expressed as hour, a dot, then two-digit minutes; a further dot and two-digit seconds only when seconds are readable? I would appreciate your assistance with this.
12.56
